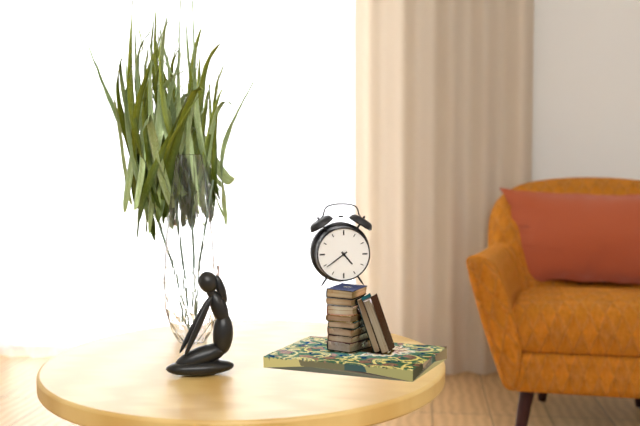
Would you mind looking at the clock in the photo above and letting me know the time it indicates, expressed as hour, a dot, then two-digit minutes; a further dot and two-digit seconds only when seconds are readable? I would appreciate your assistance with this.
4.39
